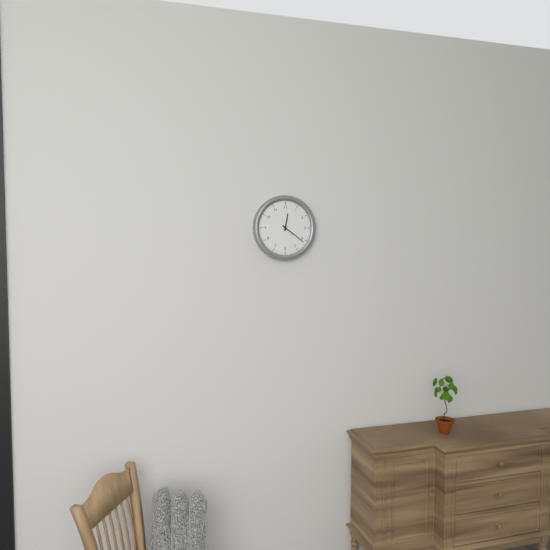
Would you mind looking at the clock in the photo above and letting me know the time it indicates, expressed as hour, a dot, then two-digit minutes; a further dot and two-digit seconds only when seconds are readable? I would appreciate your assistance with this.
12.21
